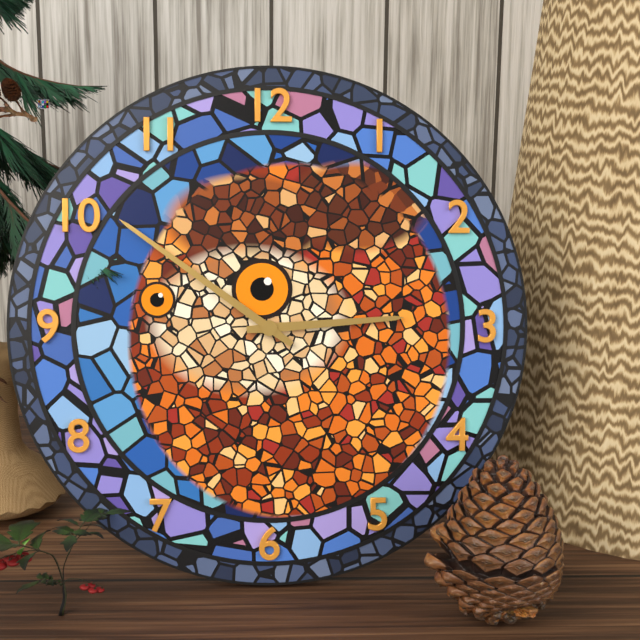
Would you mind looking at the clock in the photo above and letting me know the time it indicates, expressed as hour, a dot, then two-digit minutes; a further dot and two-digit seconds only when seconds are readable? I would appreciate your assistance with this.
2.51
